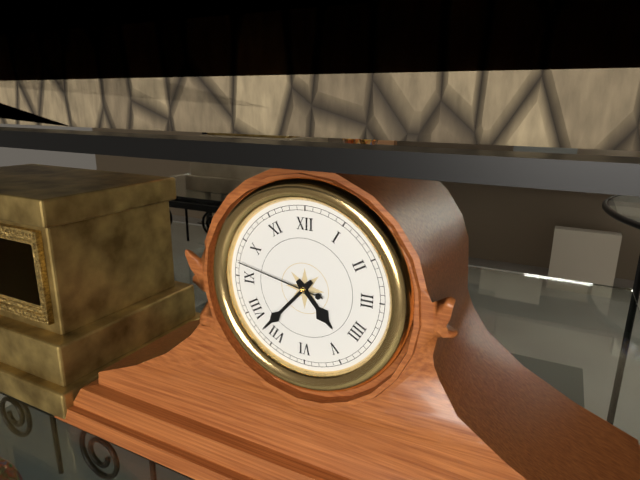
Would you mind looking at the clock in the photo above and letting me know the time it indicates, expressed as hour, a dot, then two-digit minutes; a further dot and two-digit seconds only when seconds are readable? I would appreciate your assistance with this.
4.37.47
